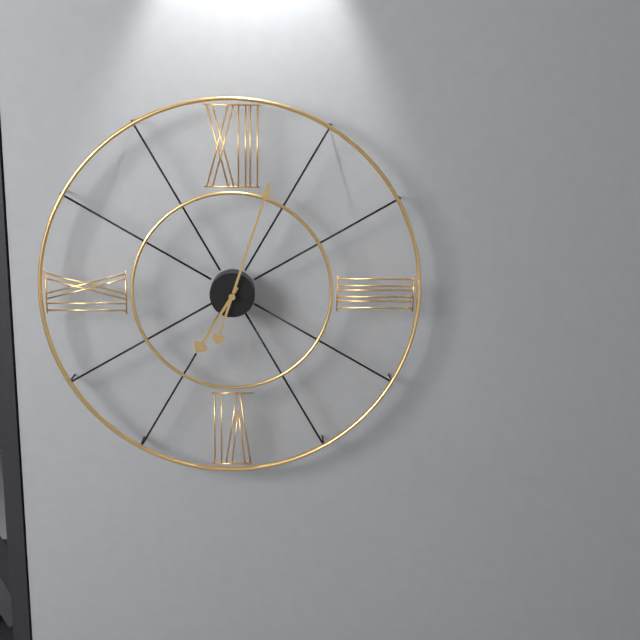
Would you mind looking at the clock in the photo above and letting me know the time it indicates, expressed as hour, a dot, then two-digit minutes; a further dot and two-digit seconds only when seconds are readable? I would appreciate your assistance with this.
7.03
